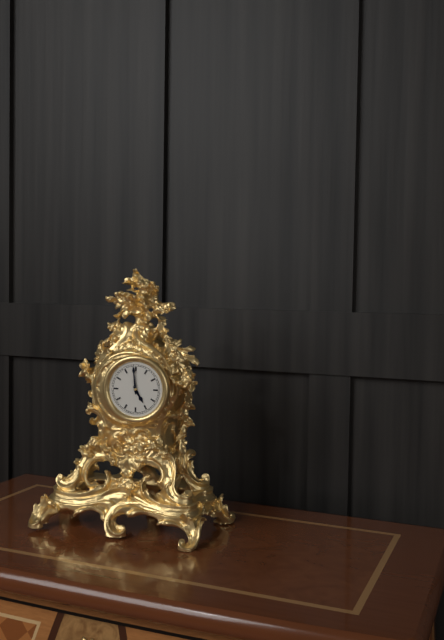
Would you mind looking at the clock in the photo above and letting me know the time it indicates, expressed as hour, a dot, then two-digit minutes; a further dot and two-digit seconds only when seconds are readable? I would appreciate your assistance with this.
4.59
